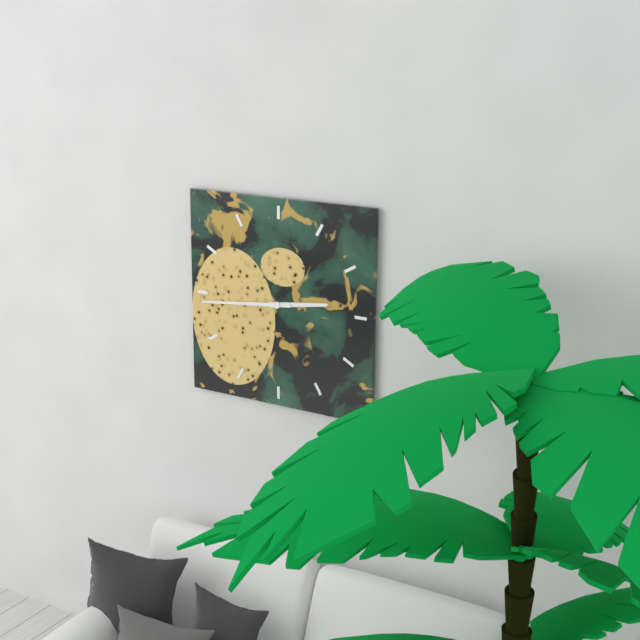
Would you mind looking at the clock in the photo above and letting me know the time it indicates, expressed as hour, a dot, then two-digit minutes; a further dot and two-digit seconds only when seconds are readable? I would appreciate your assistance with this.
2.44
